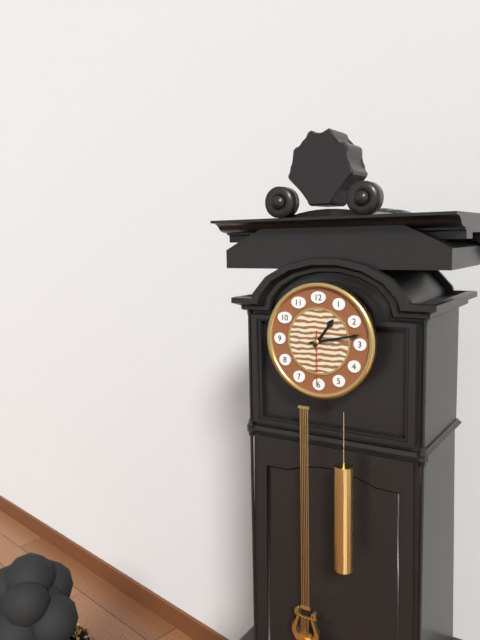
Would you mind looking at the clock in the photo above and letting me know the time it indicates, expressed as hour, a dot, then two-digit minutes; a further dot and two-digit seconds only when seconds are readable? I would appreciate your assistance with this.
1.13.30
